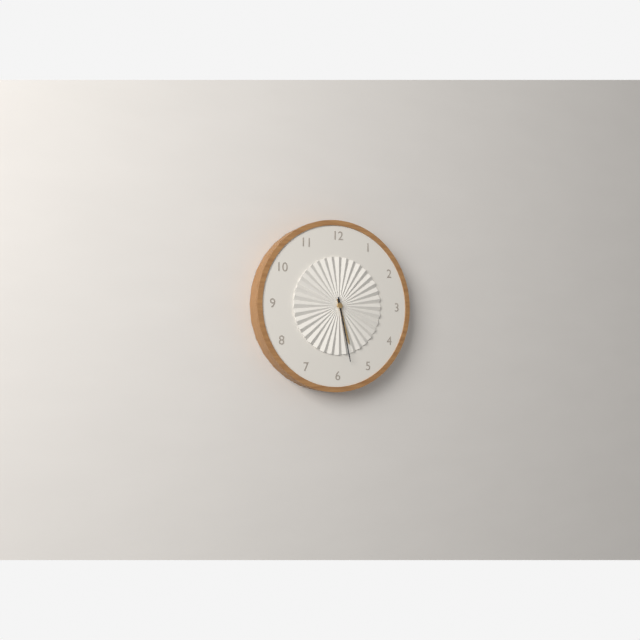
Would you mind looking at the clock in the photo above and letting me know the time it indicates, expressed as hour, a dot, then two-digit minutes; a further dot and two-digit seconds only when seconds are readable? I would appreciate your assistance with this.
5.28
